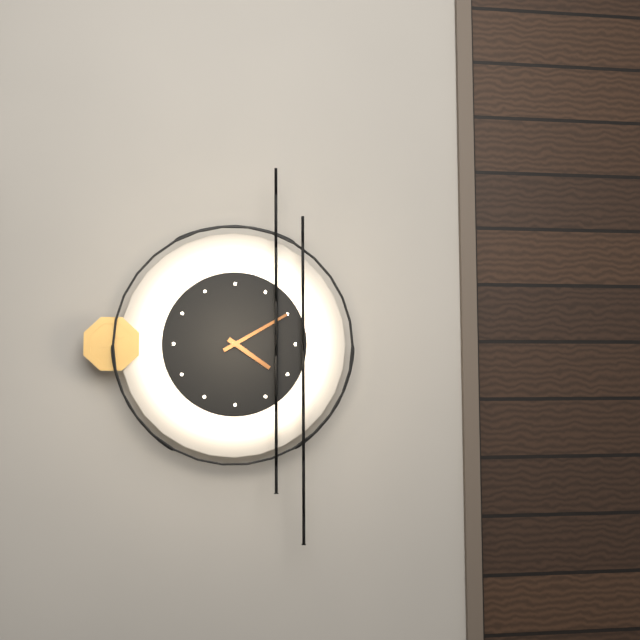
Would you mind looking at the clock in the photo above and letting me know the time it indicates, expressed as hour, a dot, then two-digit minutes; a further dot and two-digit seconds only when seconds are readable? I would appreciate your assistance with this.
4.10
